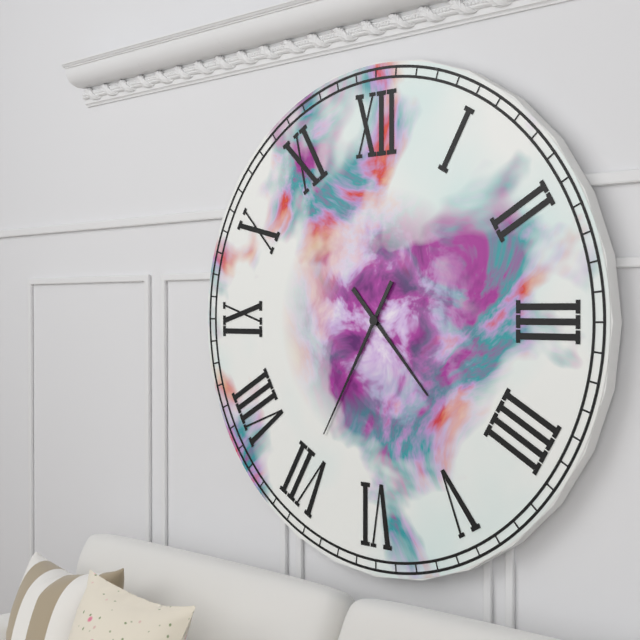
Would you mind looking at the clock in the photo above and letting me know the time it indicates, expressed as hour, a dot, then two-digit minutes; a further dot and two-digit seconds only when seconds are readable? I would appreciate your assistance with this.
4.35
